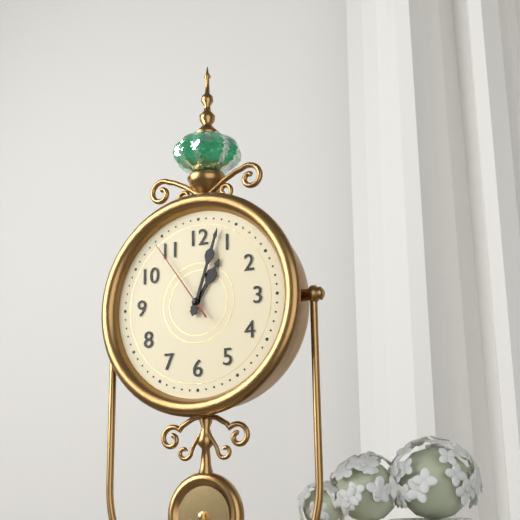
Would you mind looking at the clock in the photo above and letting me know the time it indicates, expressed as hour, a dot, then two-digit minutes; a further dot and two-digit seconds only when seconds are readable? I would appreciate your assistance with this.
1.03.54
